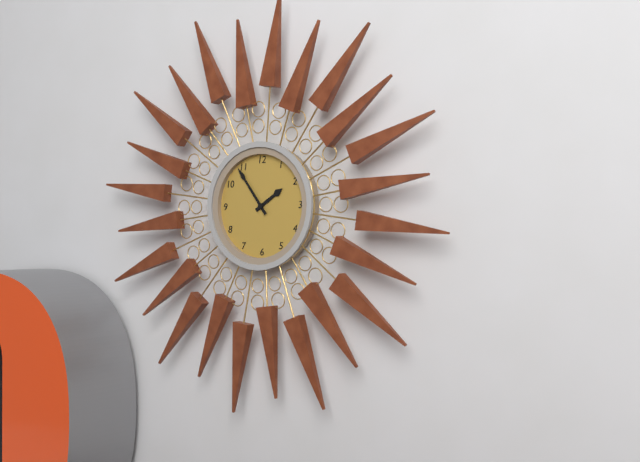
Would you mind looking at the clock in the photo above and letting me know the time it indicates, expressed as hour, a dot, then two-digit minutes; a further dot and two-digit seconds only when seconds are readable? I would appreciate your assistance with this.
1.54
